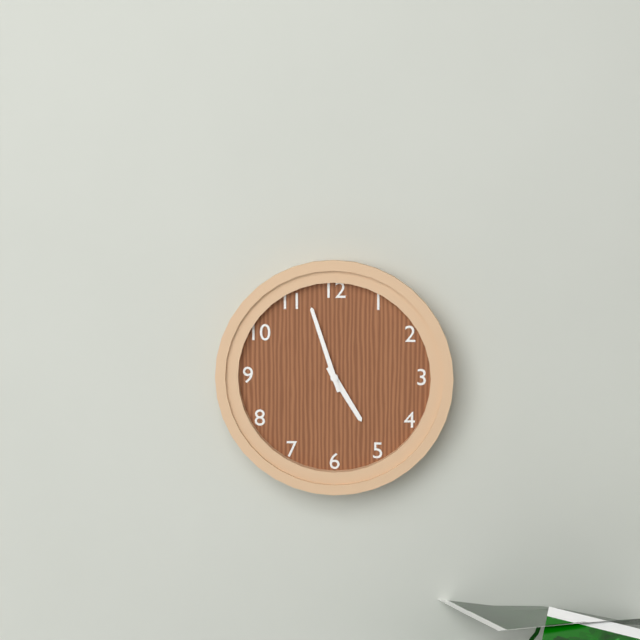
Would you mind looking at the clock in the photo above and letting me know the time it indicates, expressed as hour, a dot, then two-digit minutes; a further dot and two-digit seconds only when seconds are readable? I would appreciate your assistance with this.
4.57
